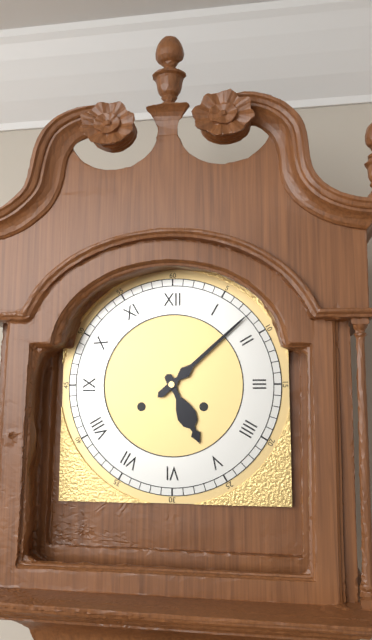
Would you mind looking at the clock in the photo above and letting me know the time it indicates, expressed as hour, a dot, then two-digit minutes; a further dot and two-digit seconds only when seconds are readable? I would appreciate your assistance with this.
5.08
